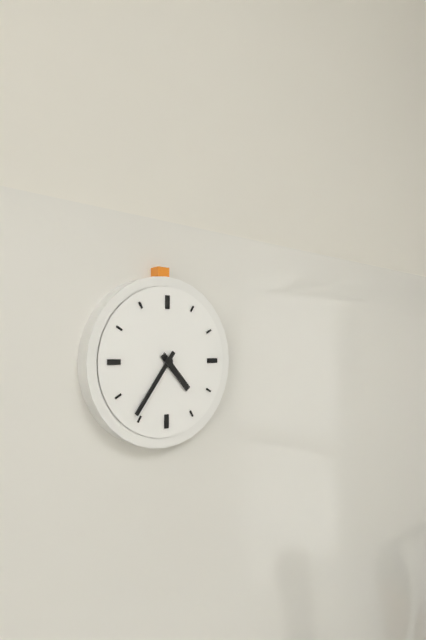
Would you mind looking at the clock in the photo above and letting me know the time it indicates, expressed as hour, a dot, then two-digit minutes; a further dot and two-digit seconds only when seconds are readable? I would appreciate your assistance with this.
4.36
